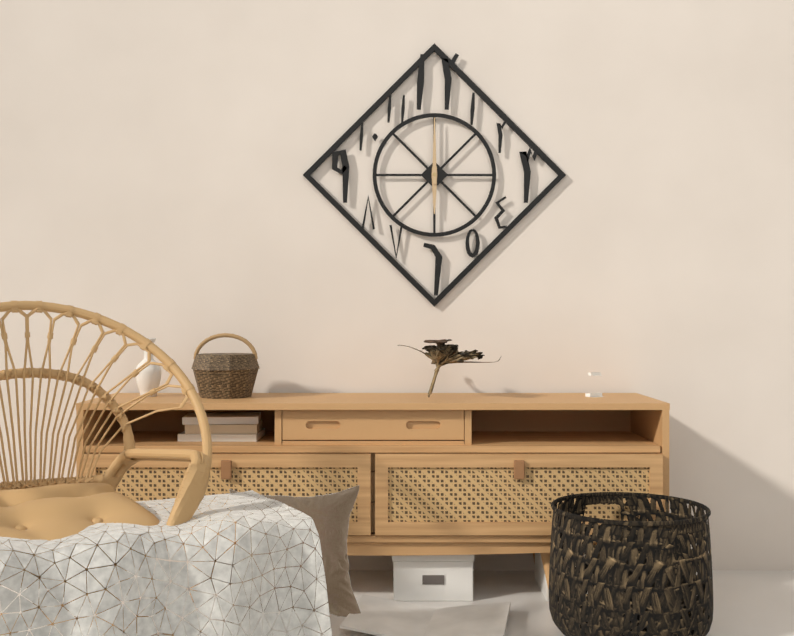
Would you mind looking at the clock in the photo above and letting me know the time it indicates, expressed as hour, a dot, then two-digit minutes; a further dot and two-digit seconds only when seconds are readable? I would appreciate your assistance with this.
6.00
